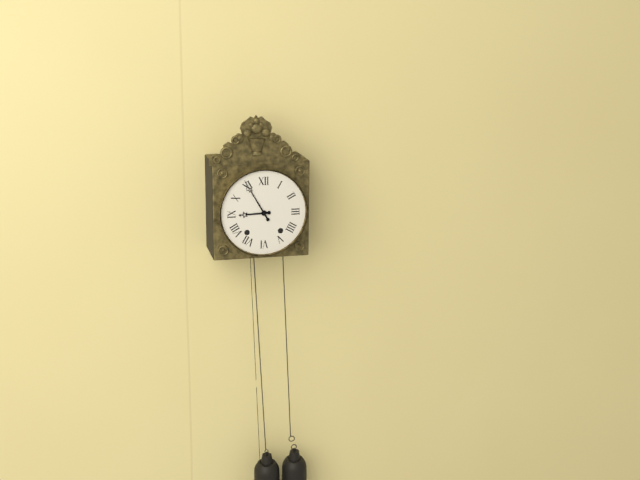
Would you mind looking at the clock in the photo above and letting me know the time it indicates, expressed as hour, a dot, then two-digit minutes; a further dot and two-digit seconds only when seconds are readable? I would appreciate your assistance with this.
8.55
